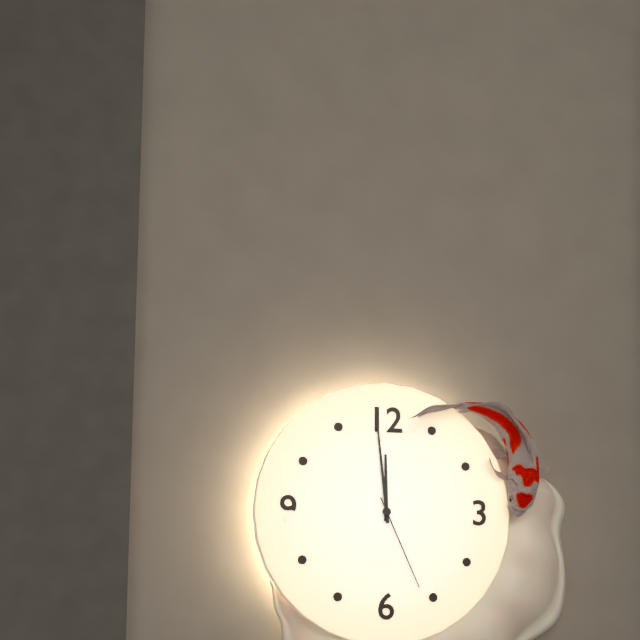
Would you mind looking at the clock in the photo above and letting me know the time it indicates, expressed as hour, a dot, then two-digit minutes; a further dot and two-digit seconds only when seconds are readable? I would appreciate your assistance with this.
11.59.26
